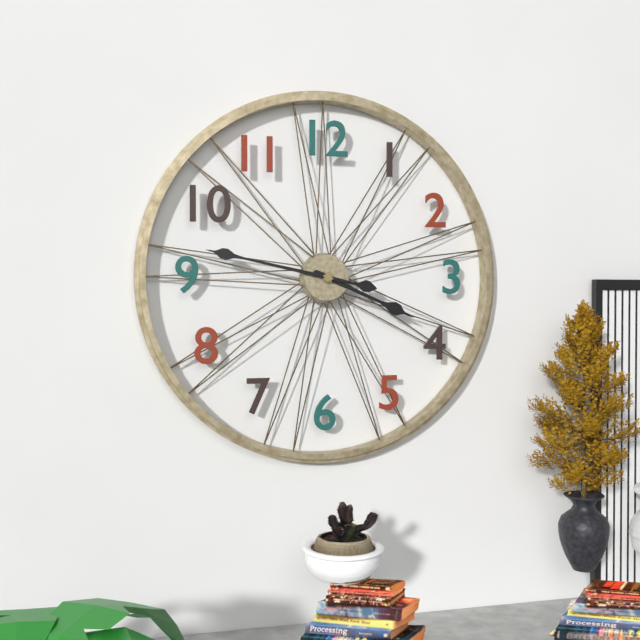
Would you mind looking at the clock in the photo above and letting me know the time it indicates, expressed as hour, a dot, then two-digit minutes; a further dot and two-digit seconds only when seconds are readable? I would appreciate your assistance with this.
3.47
